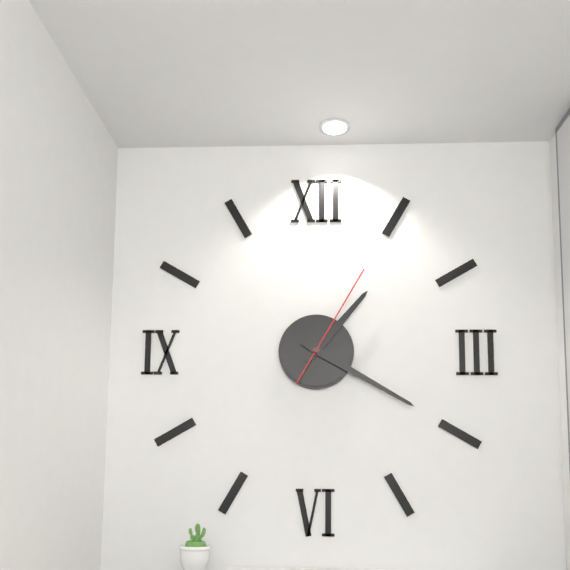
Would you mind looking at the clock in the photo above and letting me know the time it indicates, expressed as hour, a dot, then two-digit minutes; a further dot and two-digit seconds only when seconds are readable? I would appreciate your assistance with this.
1.20.05
